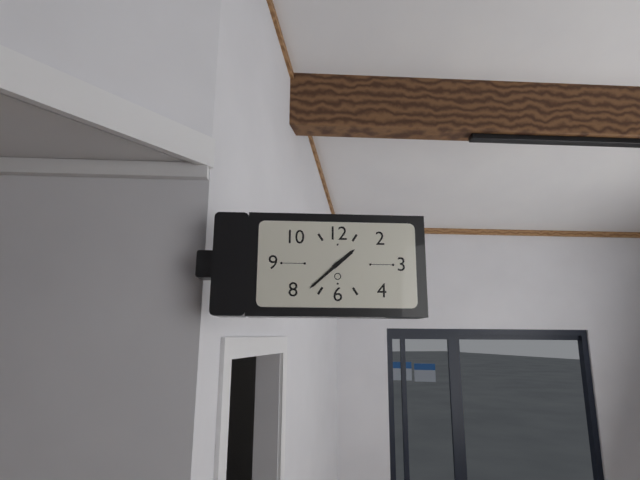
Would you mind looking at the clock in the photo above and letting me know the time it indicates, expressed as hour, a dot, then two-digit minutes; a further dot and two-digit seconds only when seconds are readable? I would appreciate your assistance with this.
1.38
